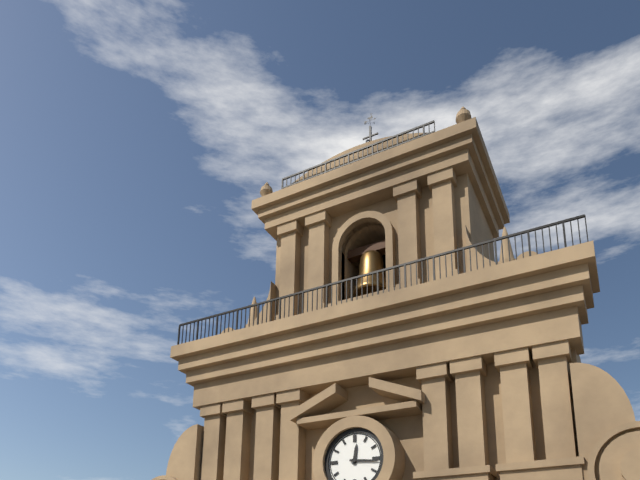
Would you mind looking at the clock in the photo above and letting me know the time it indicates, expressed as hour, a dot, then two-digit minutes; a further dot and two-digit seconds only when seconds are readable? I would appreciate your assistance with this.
12.16
